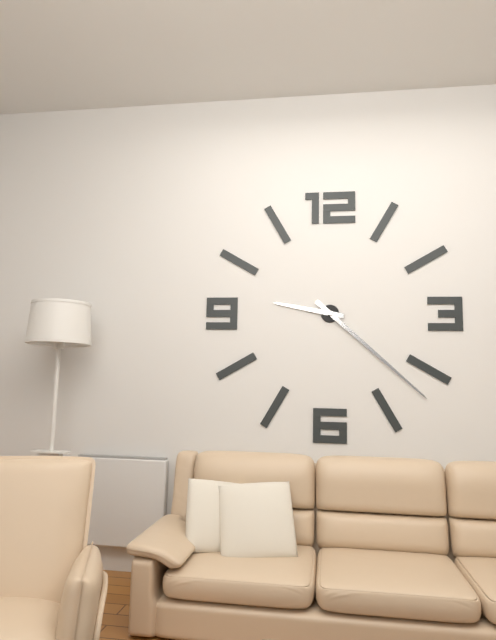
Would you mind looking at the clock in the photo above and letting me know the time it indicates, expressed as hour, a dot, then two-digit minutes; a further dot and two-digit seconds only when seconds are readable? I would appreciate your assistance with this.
9.22
